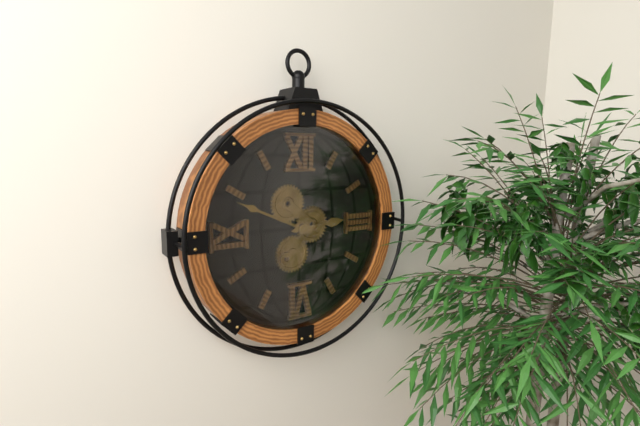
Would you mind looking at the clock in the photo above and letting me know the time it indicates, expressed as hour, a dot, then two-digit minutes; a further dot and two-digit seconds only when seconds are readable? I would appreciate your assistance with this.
2.49
